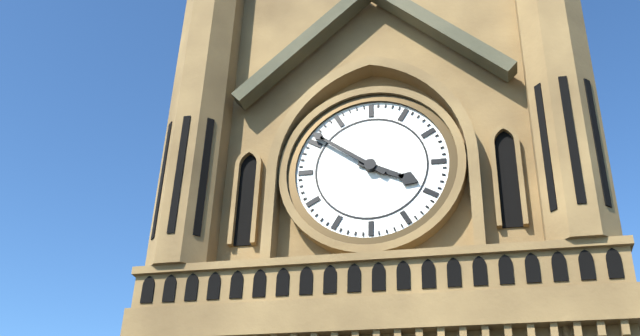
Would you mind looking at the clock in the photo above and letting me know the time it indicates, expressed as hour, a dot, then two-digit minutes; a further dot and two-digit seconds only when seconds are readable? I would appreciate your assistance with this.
3.51
